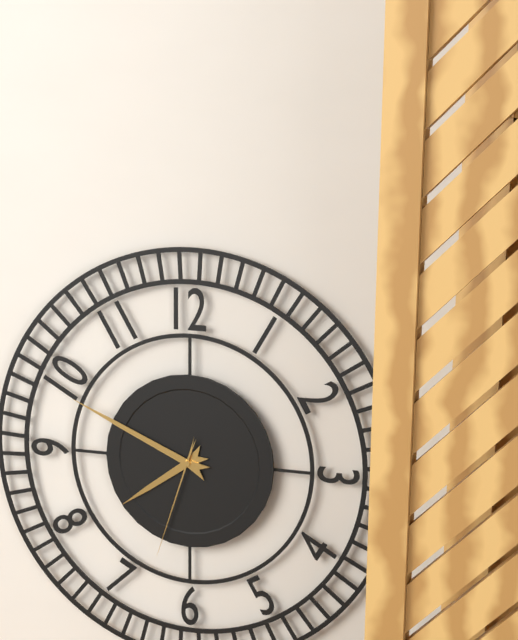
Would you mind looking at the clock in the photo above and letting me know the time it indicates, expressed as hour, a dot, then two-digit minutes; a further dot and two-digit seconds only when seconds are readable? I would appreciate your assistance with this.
7.49.33
